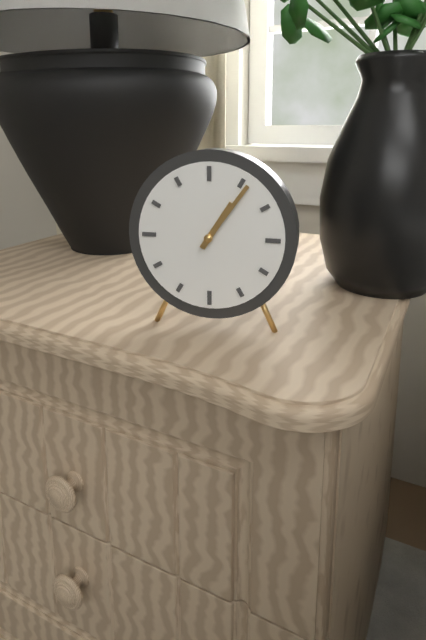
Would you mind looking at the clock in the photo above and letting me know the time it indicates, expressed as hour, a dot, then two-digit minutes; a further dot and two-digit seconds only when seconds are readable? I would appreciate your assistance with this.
1.06
